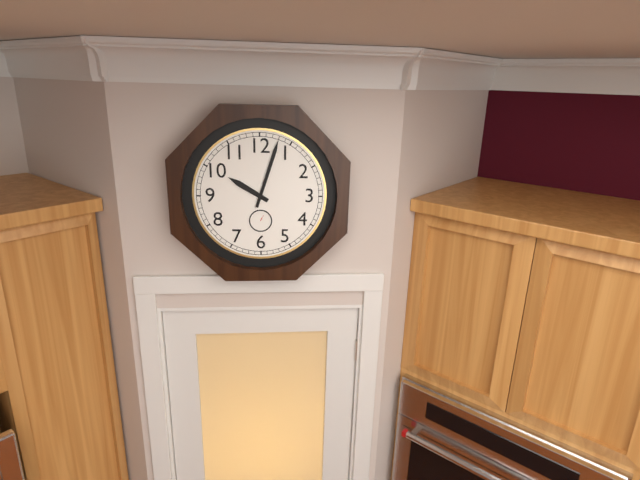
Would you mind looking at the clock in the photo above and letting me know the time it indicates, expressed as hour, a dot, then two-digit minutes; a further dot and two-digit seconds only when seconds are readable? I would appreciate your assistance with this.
10.03
